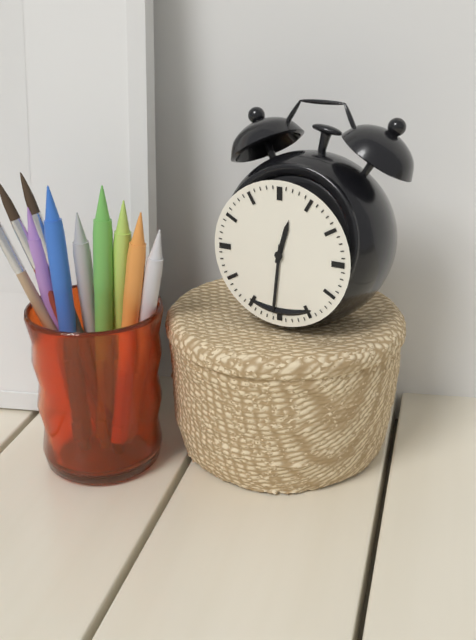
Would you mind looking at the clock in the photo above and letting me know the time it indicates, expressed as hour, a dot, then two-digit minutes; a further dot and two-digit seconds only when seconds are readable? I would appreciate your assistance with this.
12.31
